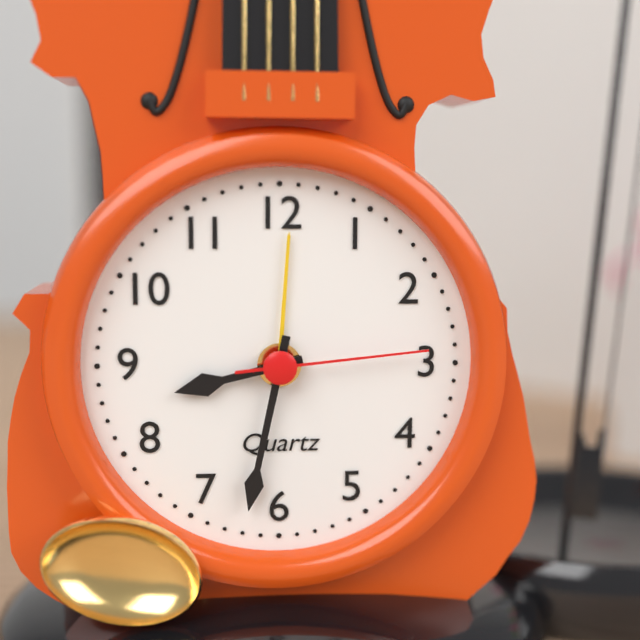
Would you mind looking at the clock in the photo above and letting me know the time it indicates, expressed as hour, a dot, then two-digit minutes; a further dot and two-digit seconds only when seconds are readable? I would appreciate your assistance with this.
8.32.14
